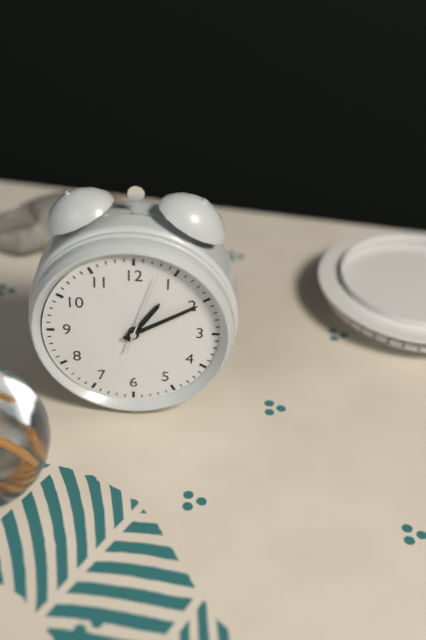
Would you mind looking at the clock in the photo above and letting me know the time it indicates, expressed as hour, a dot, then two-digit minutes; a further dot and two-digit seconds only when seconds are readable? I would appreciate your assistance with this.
1.10.03
